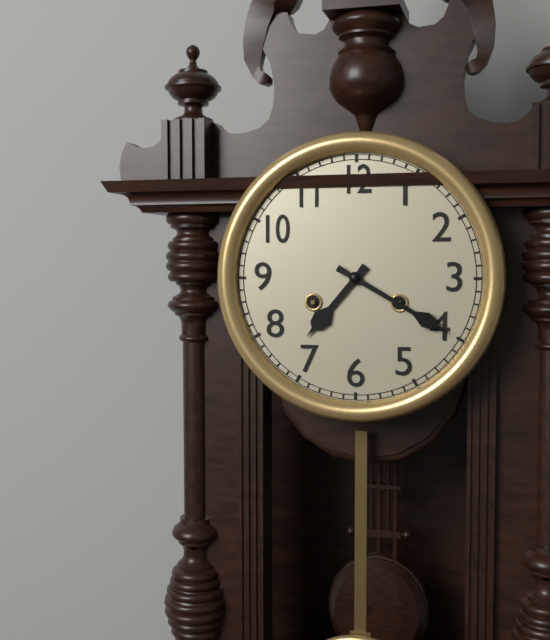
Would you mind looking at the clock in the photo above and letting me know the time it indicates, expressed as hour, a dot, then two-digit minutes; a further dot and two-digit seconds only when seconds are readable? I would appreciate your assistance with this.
7.20
